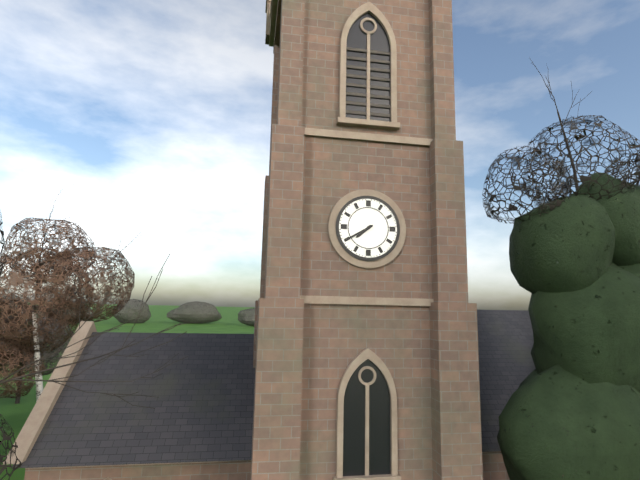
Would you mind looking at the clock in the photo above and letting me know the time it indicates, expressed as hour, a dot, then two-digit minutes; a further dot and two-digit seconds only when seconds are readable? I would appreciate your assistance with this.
7.40
